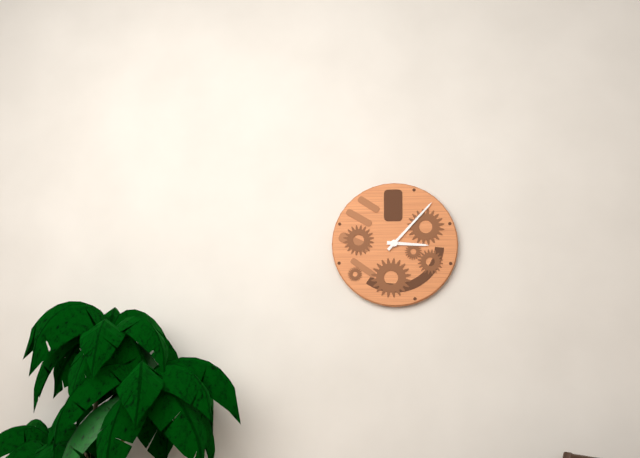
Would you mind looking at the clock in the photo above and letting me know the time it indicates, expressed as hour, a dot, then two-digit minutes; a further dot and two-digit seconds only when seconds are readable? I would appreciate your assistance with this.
3.07
